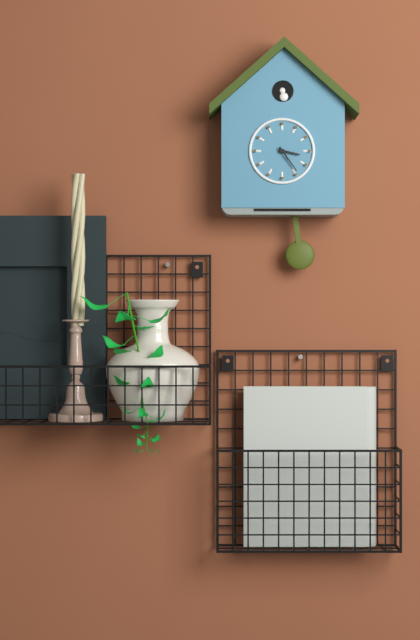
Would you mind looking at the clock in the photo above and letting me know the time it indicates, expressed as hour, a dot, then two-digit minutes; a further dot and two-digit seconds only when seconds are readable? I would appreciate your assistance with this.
3.24
